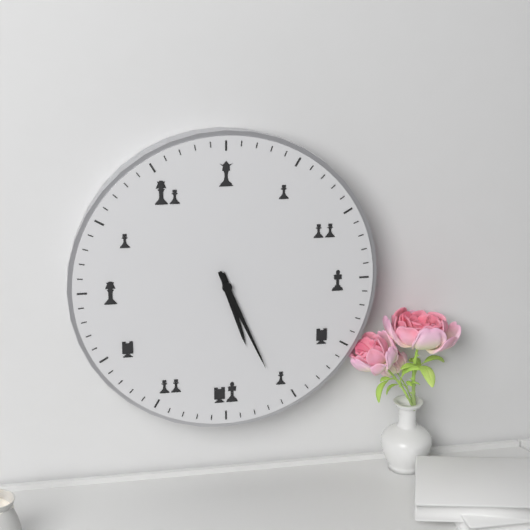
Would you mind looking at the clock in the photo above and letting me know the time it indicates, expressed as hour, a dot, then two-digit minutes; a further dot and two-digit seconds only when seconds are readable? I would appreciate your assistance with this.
5.26
